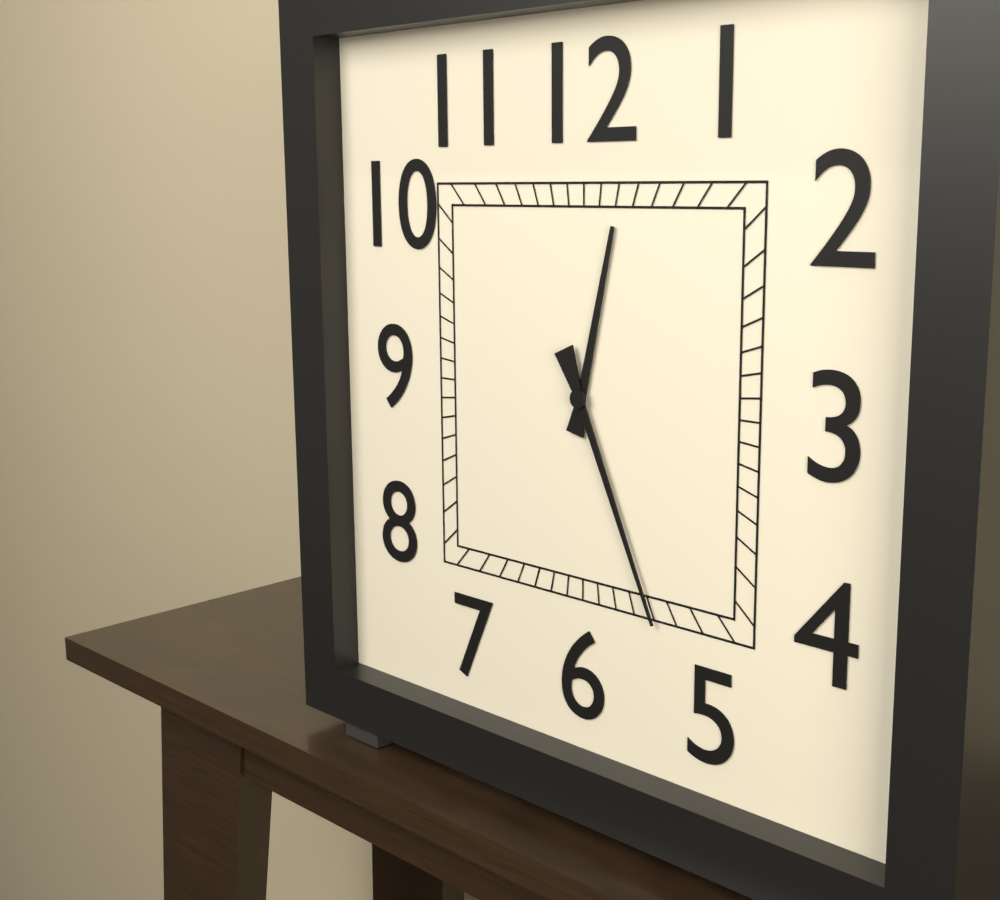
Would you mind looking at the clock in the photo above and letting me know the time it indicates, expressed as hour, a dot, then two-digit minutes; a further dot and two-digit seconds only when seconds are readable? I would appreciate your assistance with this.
12.26
